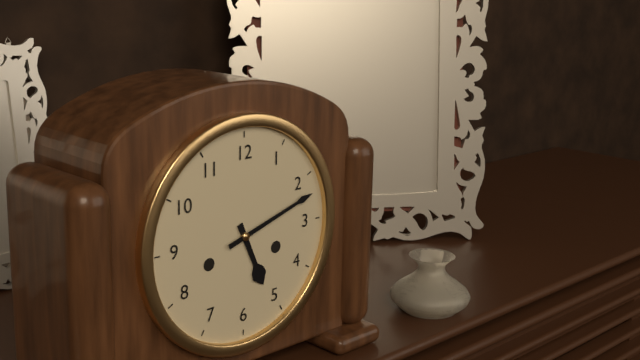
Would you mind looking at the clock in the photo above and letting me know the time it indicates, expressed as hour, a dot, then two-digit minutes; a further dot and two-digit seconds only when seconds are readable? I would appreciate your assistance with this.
5.12
